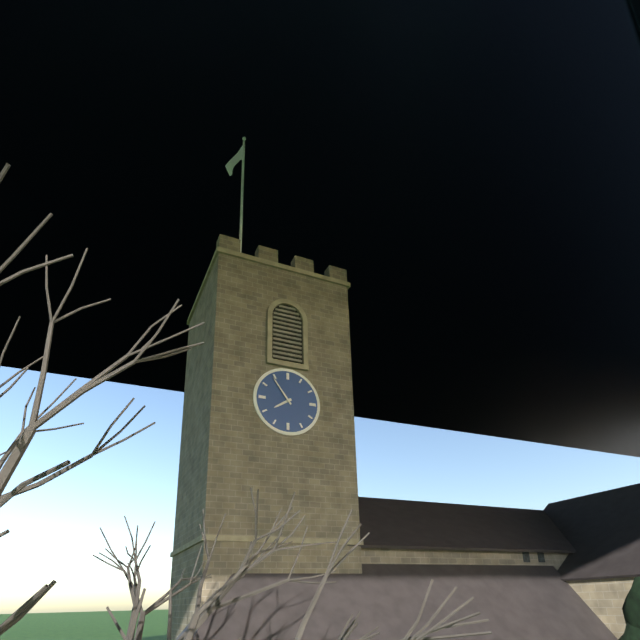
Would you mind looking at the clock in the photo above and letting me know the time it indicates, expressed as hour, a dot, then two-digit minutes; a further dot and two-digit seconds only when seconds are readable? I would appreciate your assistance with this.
7.54
